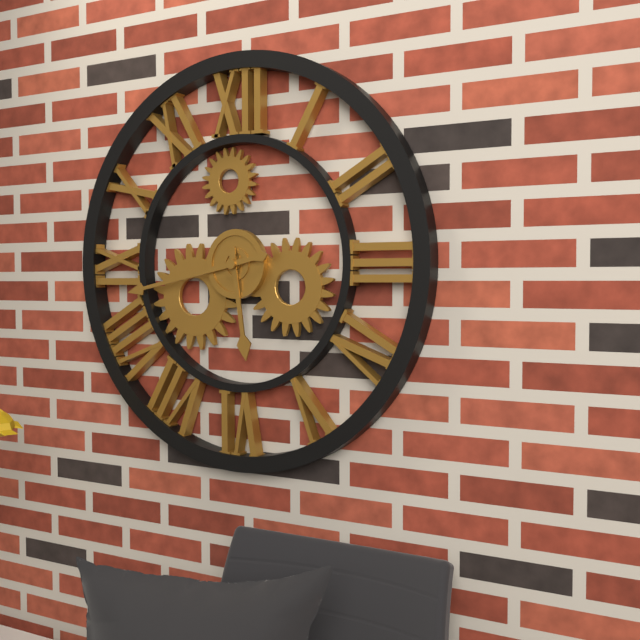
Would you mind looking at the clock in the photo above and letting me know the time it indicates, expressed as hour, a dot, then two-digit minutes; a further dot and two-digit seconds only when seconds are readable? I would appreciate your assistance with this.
5.43
